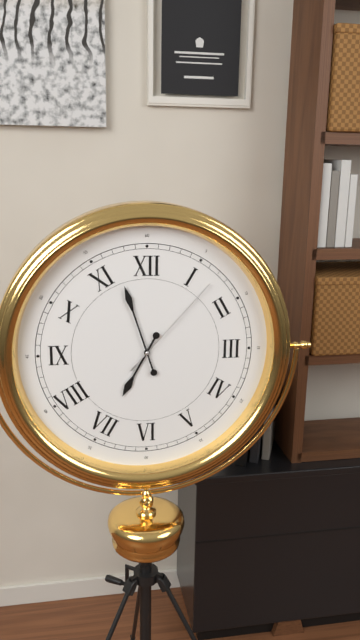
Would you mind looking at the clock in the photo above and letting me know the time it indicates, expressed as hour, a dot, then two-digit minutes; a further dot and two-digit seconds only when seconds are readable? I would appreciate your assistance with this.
6.57.07
